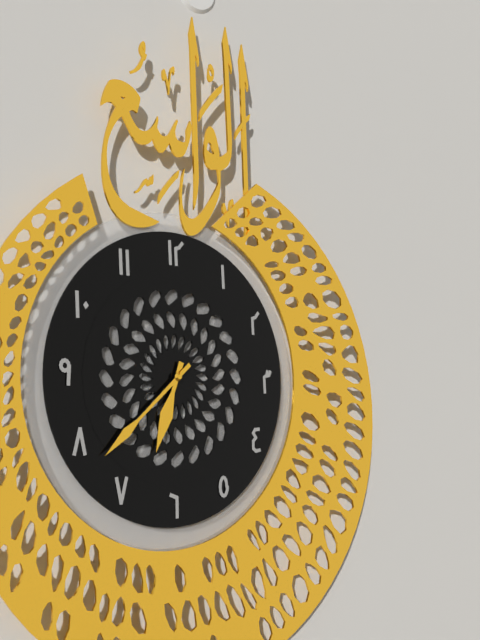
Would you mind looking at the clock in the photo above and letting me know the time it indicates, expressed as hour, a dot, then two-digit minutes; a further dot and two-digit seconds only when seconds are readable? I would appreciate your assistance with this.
6.38
